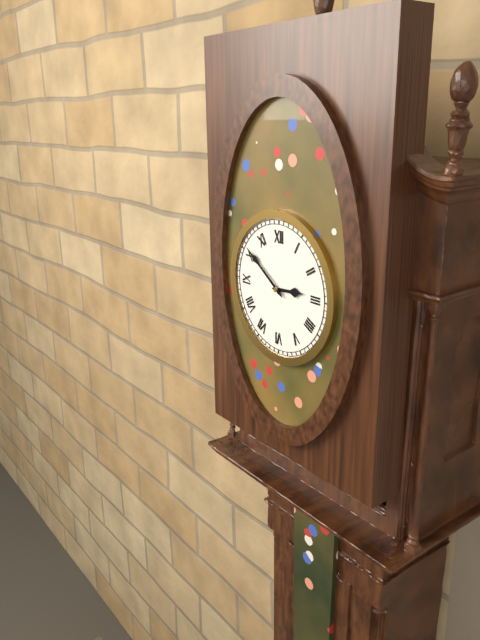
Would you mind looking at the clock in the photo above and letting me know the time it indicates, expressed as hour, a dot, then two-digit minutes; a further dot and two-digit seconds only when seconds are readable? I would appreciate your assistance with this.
2.51
